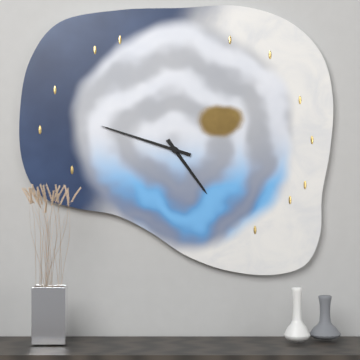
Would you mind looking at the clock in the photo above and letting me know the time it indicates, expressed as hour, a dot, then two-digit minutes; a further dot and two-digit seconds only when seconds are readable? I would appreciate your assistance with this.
4.48
